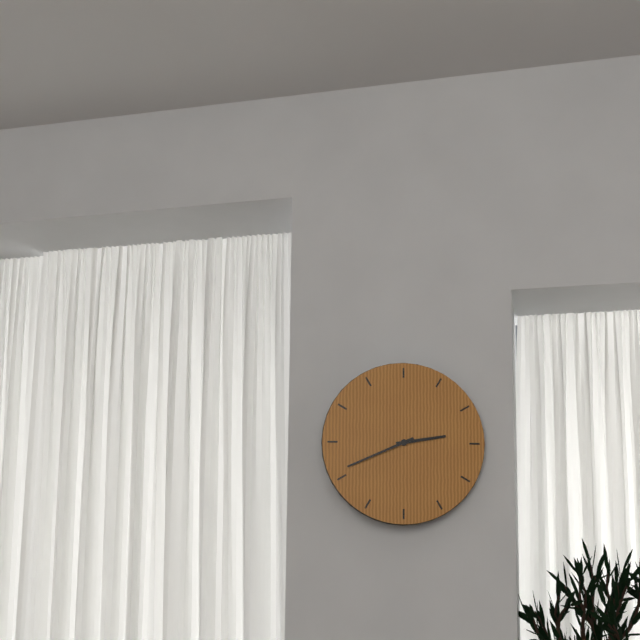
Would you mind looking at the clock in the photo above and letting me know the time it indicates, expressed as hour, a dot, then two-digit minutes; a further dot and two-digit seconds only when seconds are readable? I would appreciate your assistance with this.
2.41
